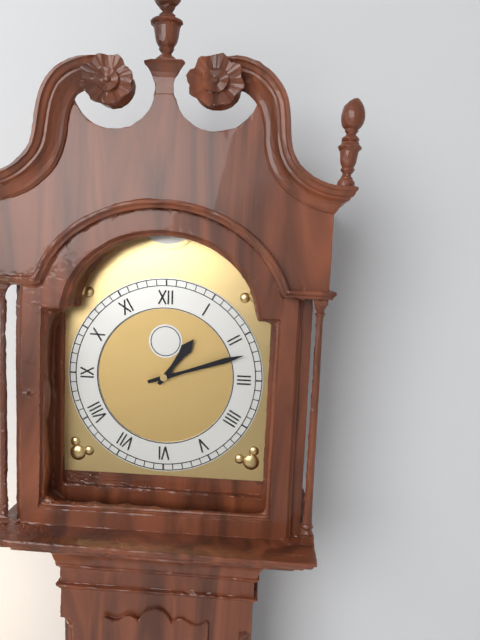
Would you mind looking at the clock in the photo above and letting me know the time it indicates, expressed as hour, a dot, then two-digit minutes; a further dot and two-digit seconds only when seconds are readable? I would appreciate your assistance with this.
1.12
